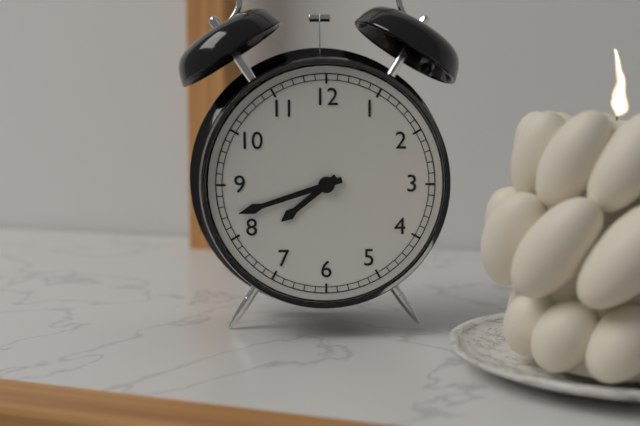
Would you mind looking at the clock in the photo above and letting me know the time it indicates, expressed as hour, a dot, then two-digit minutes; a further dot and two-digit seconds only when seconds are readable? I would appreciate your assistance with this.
7.42
